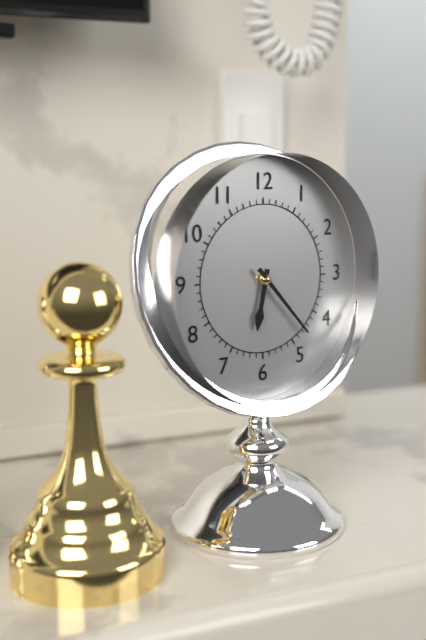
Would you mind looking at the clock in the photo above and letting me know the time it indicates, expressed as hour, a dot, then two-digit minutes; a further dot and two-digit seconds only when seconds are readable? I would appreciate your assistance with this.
6.23
